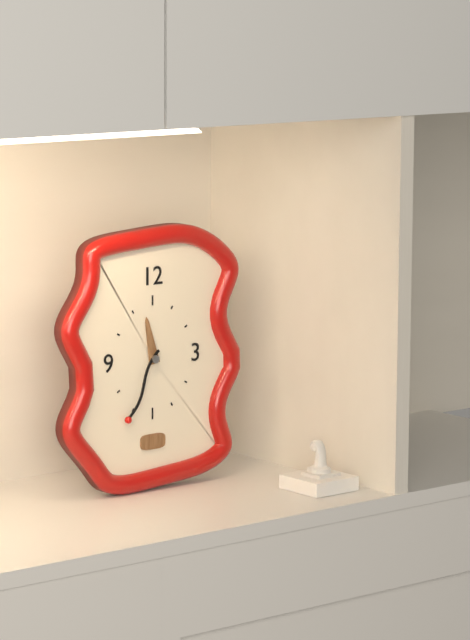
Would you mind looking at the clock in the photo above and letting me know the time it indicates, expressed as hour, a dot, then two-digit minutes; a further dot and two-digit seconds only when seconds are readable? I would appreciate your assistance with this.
11.35
